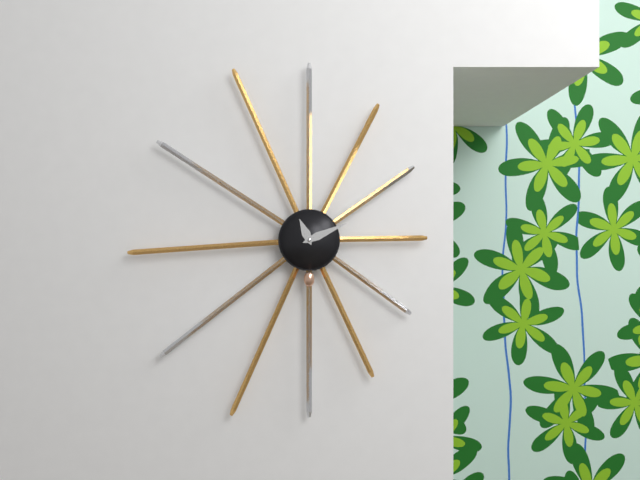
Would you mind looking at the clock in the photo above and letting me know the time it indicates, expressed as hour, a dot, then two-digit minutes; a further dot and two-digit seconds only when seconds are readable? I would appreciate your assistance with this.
11.11
